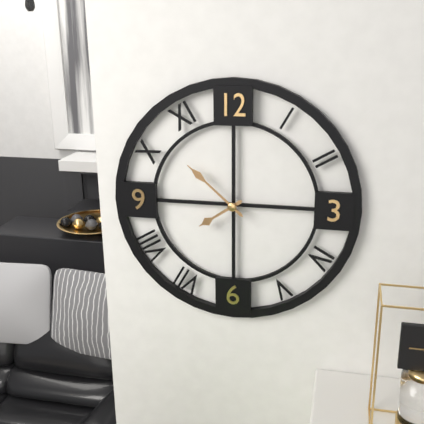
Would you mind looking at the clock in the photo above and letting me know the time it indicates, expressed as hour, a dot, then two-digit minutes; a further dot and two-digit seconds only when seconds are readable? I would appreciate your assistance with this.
7.52
